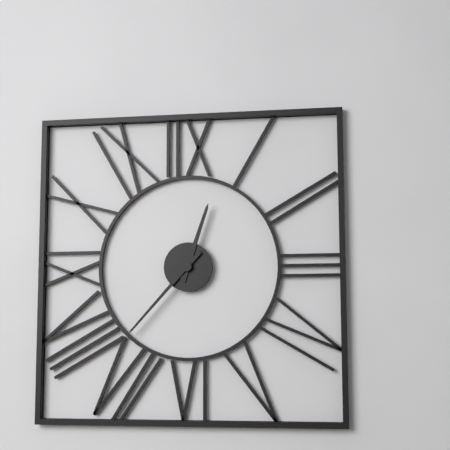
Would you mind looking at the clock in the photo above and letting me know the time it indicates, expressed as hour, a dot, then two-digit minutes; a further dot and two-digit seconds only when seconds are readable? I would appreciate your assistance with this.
12.37
